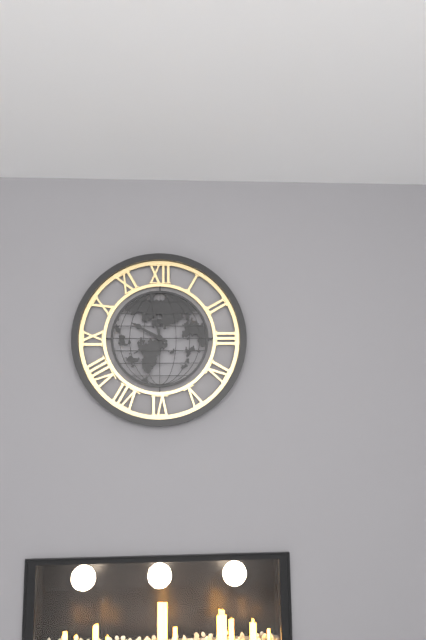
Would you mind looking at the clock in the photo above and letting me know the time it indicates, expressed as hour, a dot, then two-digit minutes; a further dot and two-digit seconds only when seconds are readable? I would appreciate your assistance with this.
9.58
